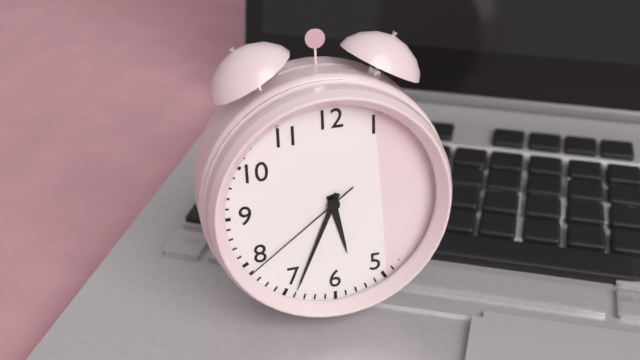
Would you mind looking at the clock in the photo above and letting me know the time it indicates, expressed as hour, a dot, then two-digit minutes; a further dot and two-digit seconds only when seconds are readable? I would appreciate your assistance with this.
5.34.39
